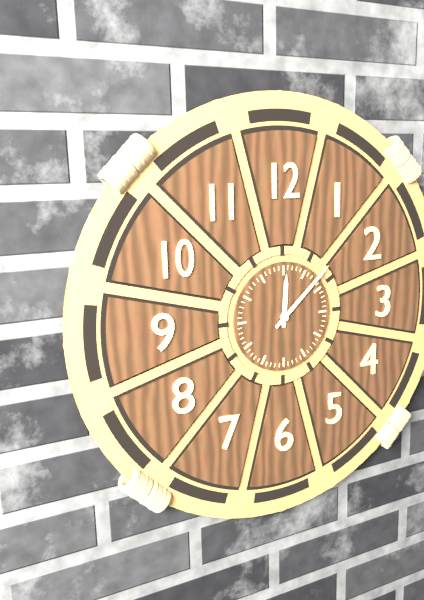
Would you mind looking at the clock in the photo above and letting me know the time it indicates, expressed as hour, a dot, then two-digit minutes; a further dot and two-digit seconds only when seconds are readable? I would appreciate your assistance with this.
12.08
